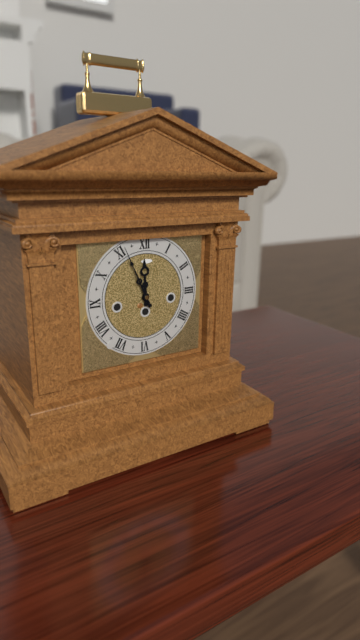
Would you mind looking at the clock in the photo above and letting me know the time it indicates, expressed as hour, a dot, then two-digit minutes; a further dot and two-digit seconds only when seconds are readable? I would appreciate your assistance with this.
11.56
